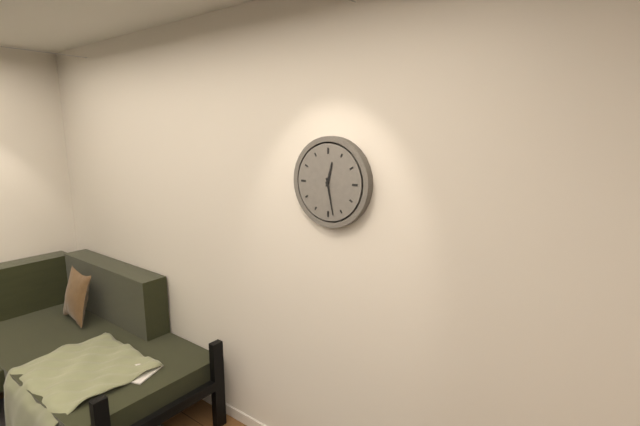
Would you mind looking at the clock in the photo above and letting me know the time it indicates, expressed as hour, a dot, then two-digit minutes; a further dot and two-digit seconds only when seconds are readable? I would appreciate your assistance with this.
12.28
